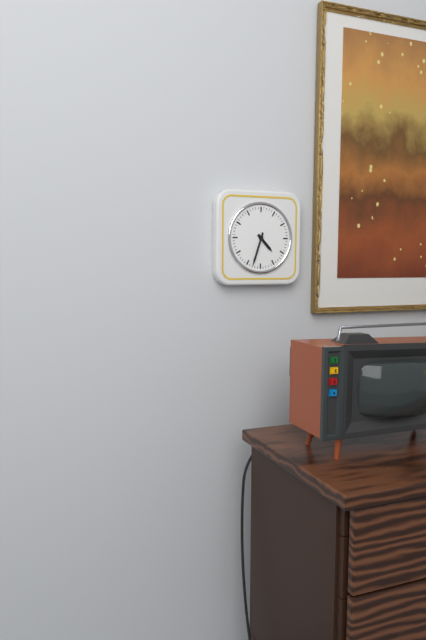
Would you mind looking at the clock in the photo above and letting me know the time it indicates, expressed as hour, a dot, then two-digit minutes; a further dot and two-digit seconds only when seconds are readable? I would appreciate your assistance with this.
4.33
